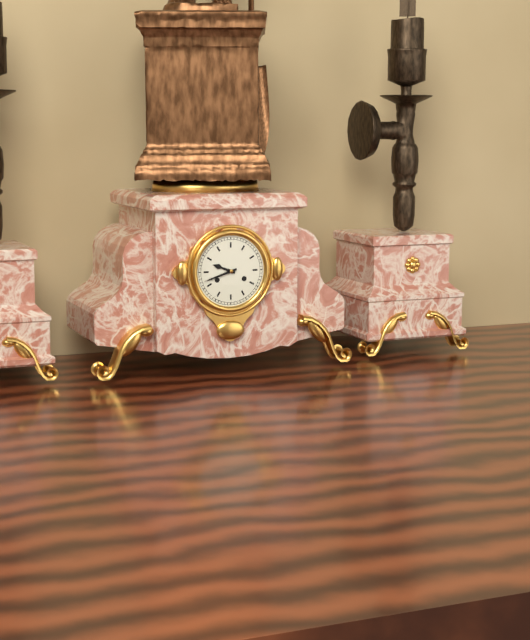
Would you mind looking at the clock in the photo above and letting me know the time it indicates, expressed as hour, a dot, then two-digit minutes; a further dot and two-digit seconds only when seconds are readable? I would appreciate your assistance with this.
9.42
